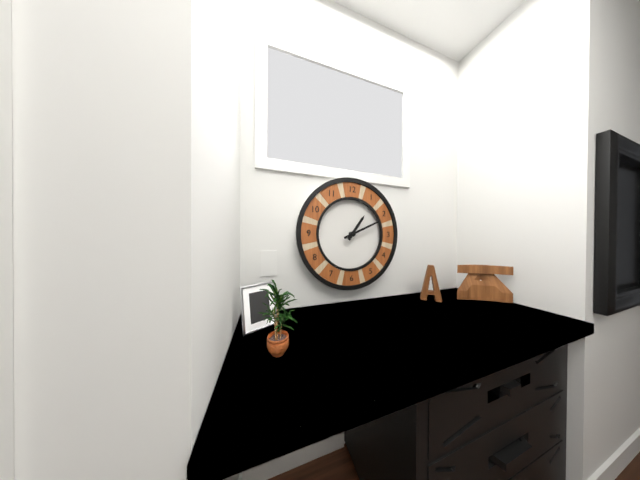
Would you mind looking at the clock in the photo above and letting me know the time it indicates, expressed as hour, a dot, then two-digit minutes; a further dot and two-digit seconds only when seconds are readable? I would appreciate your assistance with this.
1.11
